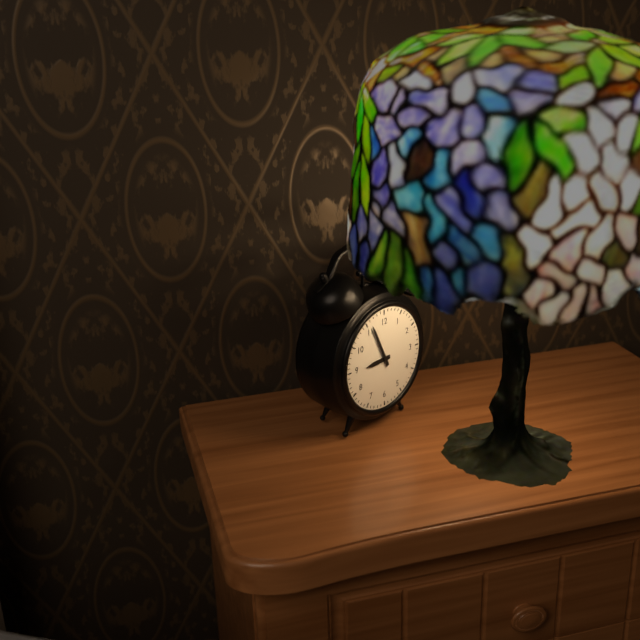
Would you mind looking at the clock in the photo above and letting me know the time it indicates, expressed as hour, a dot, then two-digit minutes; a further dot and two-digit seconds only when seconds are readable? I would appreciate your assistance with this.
8.56
